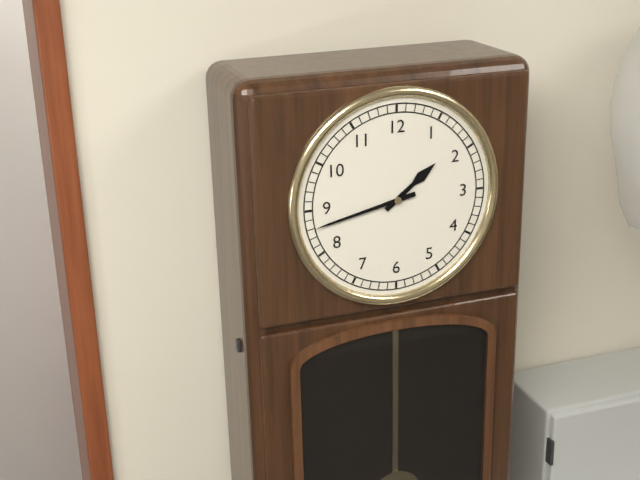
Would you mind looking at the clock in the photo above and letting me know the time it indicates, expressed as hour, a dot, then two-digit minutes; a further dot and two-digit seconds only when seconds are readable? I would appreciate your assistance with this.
1.43
